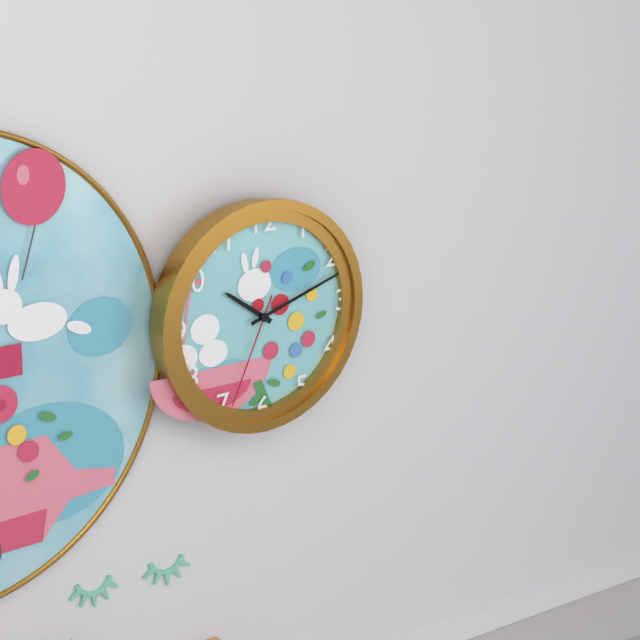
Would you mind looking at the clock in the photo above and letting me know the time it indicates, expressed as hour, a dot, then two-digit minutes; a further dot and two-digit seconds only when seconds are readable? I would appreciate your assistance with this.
10.12.34
